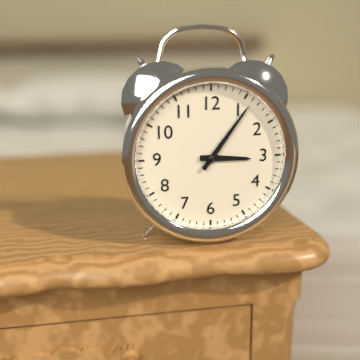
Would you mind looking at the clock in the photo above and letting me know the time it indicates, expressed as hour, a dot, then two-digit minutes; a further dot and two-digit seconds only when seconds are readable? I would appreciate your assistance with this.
3.06
